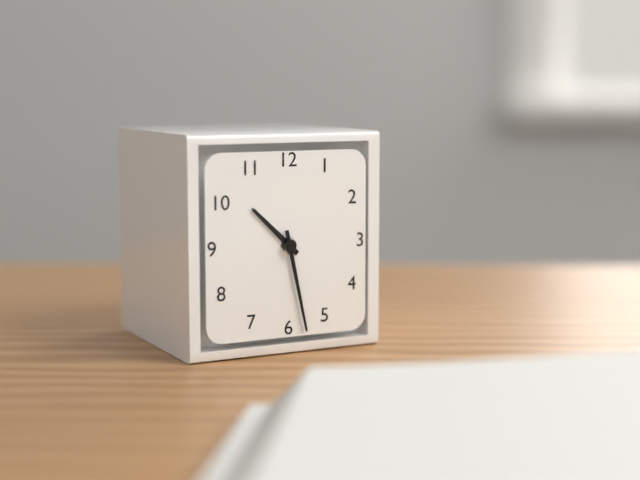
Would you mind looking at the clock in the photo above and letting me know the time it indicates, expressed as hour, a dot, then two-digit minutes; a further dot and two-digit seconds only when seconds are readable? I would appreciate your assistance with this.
10.28
